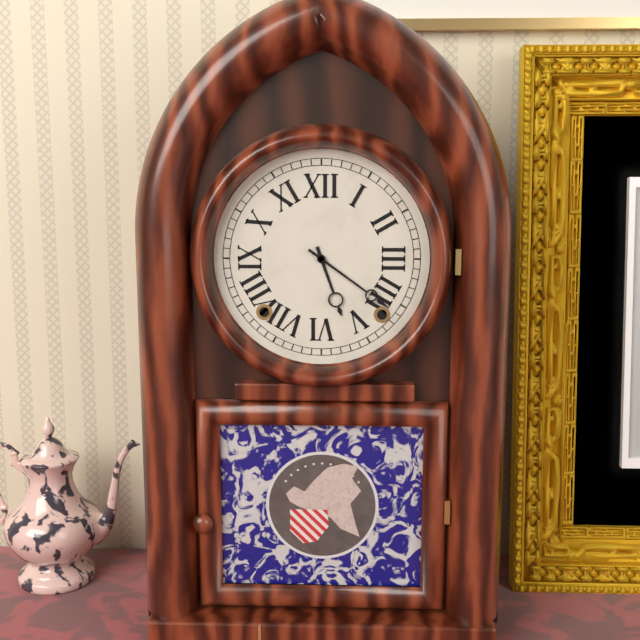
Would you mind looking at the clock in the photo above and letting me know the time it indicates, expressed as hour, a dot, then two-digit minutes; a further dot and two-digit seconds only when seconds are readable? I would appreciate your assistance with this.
5.21
